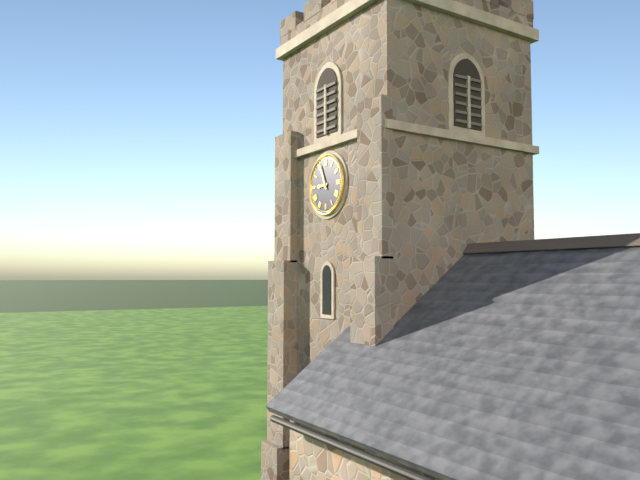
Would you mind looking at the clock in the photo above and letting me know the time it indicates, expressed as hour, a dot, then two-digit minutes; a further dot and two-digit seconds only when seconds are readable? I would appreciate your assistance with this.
8.56
